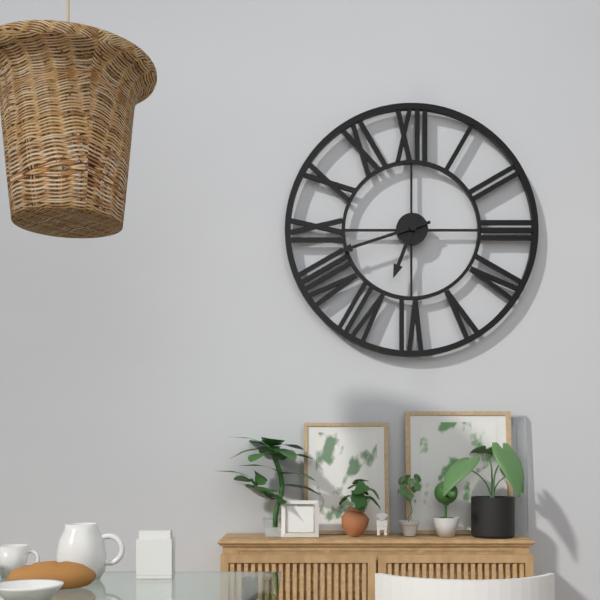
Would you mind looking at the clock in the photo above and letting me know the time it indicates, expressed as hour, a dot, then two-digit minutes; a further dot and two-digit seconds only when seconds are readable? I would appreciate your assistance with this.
6.42
